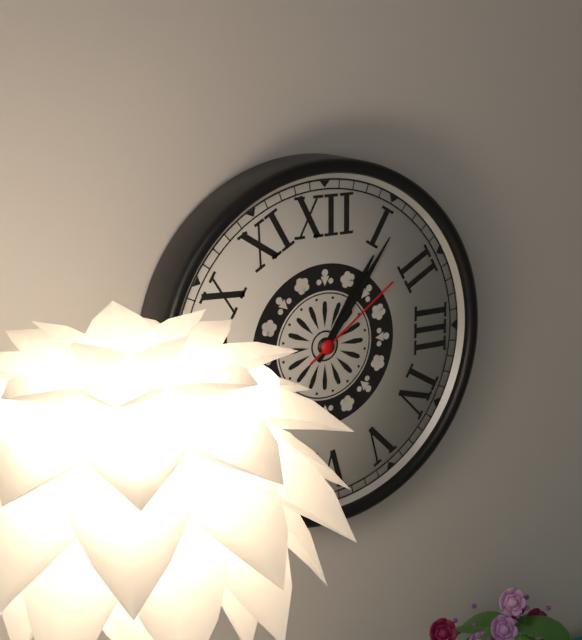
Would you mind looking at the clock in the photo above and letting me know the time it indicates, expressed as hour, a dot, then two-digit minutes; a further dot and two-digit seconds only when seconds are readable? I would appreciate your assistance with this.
1.06.09
